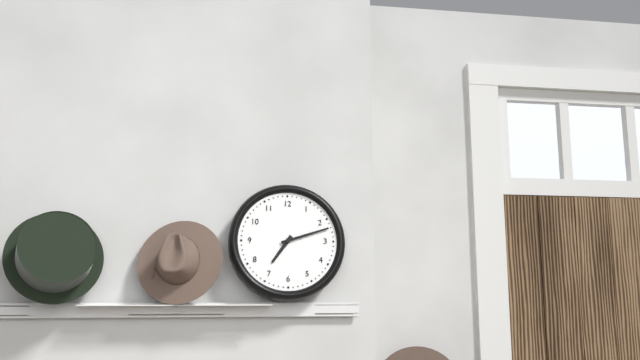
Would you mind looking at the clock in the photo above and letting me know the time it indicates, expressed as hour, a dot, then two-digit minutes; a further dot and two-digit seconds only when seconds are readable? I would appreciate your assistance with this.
7.12
